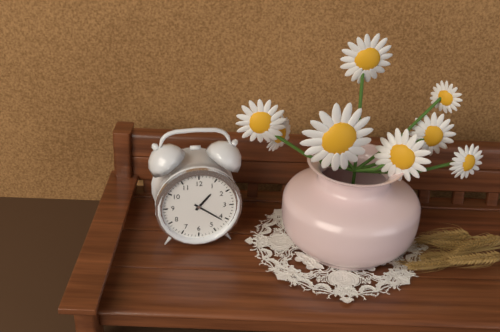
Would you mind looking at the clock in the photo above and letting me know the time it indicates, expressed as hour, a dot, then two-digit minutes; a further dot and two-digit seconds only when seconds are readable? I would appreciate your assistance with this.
1.21
